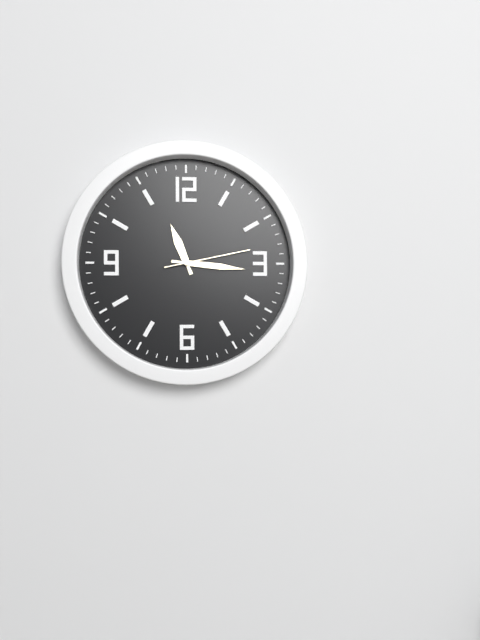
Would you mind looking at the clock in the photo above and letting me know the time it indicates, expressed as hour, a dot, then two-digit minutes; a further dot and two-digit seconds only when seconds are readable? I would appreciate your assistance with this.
11.16.13
